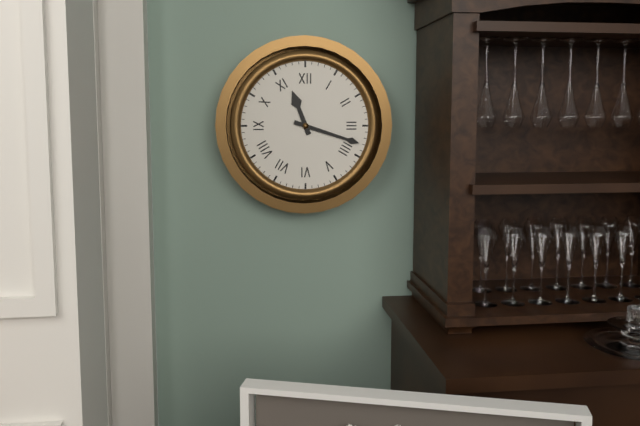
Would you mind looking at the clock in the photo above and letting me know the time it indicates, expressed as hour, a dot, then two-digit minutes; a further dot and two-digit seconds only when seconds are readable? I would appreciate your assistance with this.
11.18
